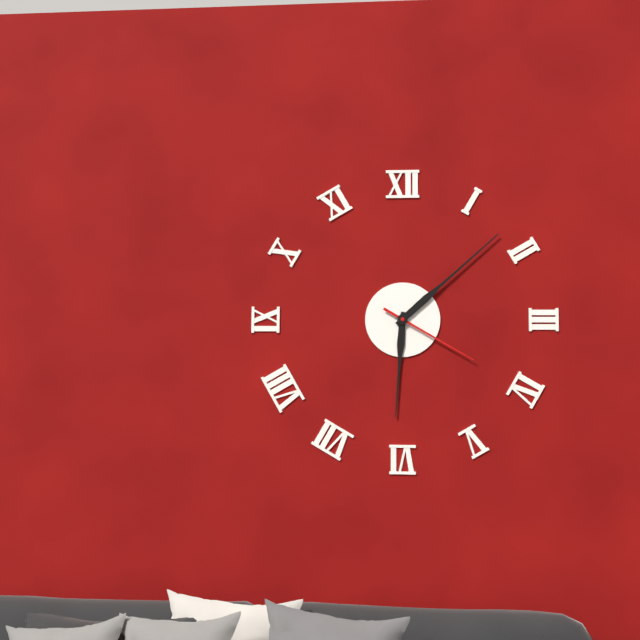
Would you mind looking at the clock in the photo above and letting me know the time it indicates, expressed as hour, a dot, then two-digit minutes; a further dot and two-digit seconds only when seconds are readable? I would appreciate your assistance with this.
6.08.20
